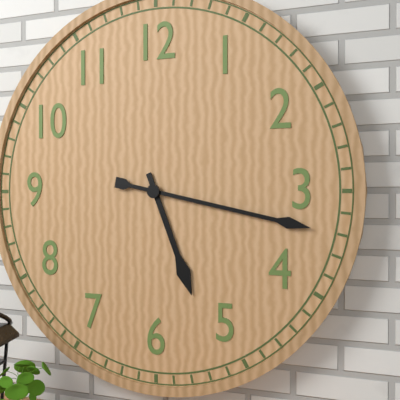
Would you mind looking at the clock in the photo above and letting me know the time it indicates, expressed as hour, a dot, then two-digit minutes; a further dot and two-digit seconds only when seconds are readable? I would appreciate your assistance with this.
5.17
